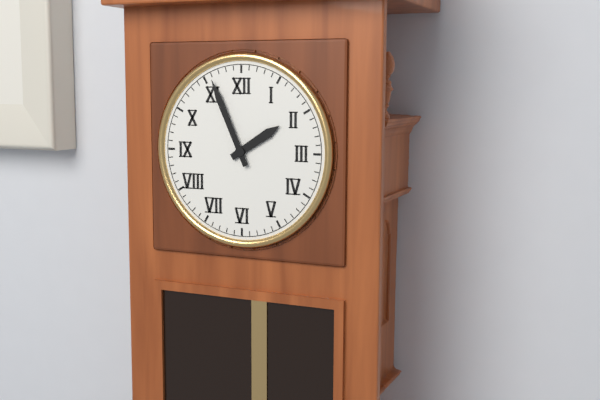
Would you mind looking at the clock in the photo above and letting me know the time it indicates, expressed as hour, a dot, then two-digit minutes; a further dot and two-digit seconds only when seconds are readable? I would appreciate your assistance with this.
1.56
